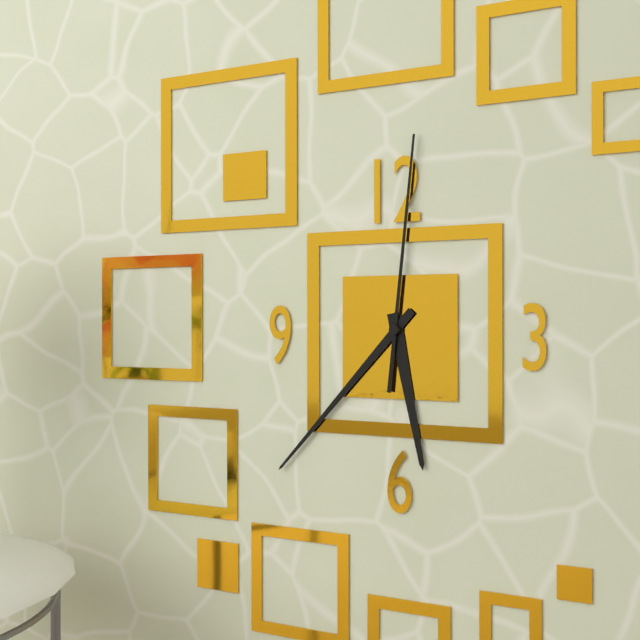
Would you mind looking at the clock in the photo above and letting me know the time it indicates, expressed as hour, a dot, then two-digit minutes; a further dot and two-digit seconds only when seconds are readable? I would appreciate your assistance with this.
5.37.01
